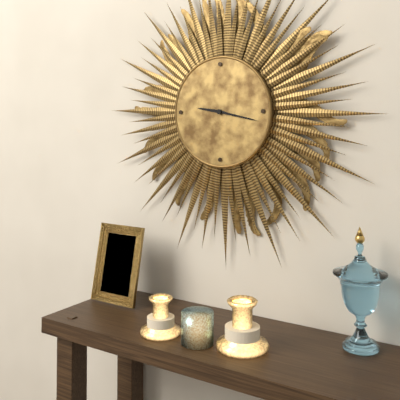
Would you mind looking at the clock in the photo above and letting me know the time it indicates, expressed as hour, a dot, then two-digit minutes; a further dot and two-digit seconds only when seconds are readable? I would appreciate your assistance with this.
9.17
